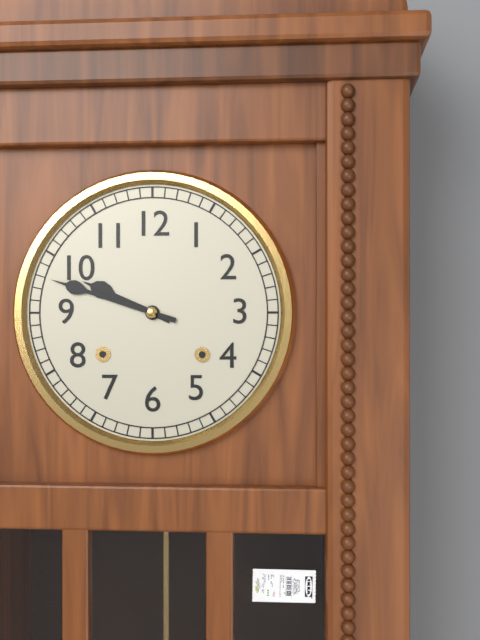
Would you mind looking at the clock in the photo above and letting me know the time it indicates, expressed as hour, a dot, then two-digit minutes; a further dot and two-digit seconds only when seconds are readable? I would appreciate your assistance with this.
9.48
